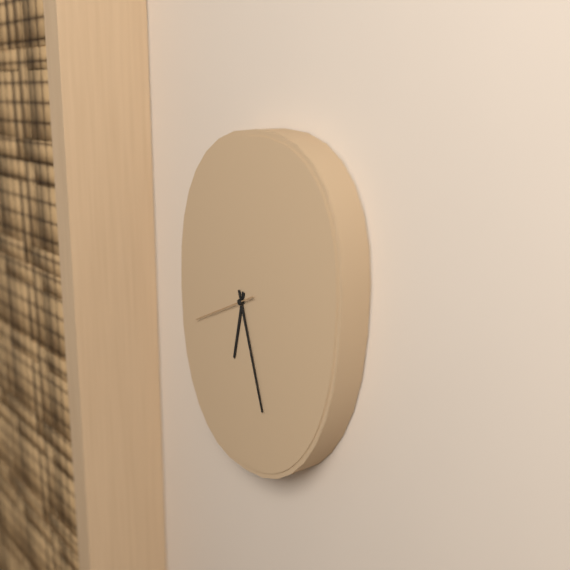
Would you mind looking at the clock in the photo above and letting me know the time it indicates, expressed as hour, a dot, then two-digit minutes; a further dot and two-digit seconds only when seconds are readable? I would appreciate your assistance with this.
6.27.41
